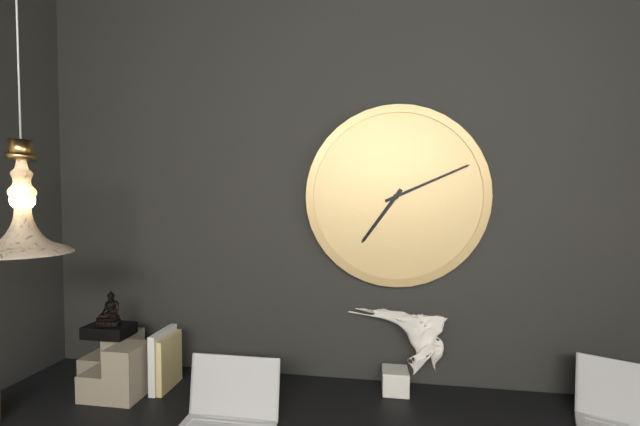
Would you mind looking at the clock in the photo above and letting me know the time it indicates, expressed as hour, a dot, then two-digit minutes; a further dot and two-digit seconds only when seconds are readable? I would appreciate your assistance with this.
7.11
